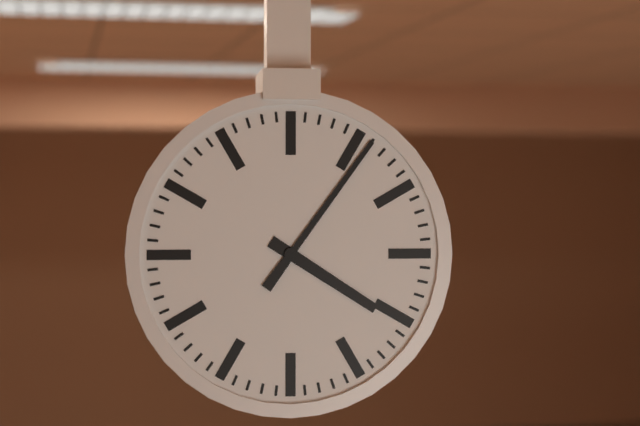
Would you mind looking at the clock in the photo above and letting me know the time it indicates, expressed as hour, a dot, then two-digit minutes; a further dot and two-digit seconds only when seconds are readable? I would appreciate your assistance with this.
4.06
